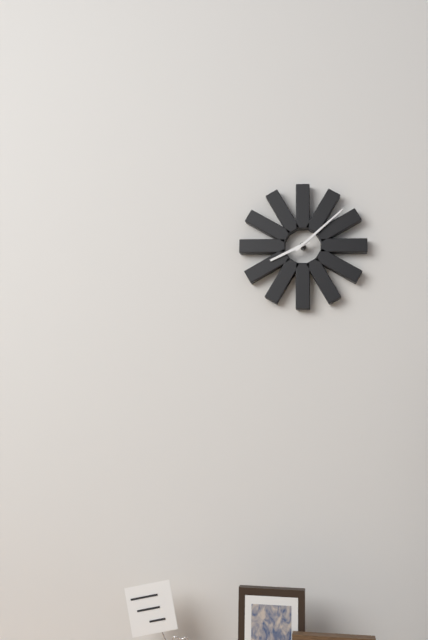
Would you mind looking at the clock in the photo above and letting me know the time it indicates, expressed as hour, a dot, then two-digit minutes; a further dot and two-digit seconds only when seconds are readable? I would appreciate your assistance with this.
8.08
